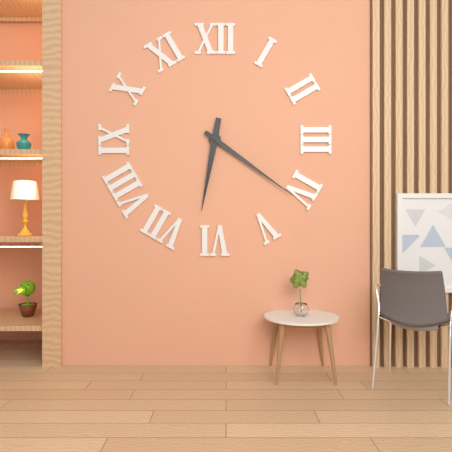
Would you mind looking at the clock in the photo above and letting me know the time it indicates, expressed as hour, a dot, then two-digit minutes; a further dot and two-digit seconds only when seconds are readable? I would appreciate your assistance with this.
6.21
